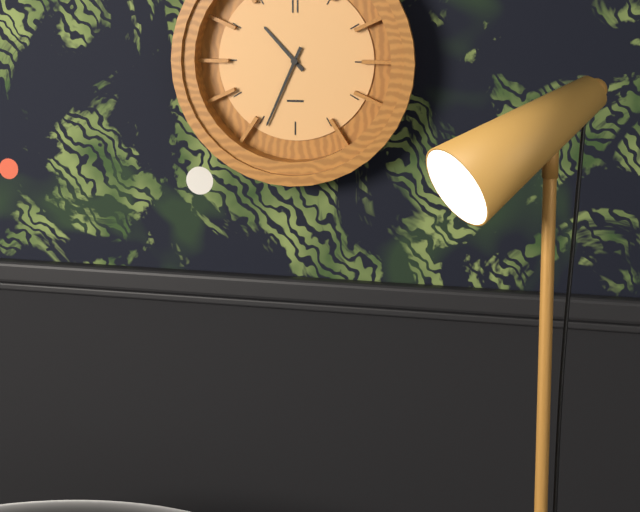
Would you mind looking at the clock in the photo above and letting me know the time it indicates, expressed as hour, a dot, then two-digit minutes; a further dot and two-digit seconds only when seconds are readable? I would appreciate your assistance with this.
10.34
